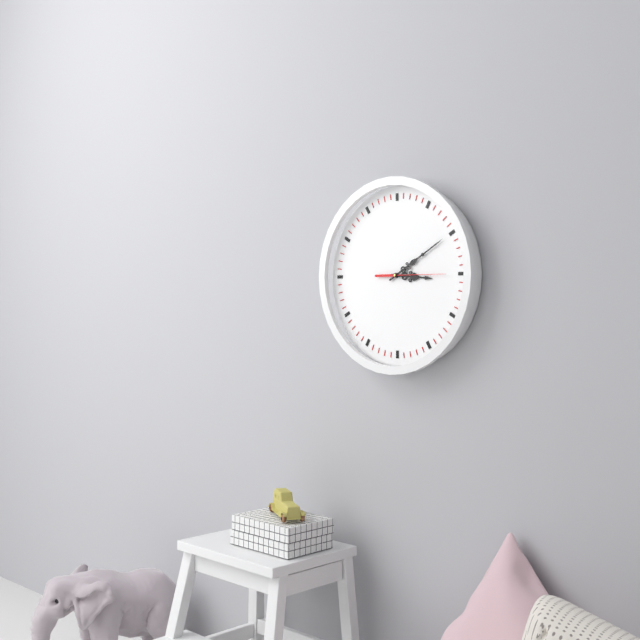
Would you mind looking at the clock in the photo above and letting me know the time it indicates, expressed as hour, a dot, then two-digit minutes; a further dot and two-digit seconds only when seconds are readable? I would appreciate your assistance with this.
3.10.15
